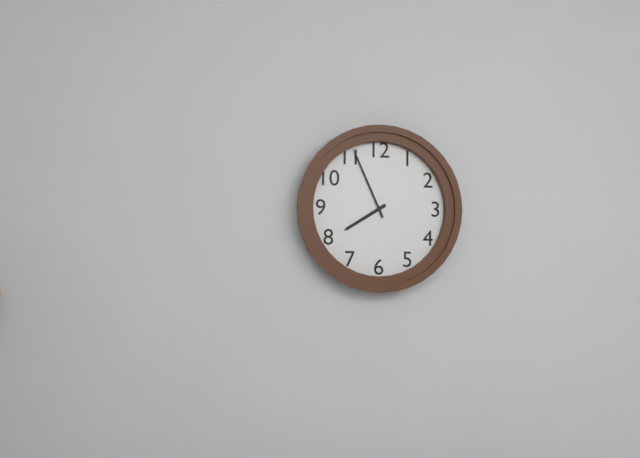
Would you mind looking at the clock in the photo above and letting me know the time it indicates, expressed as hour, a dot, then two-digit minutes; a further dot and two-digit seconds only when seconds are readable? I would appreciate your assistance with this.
7.56
